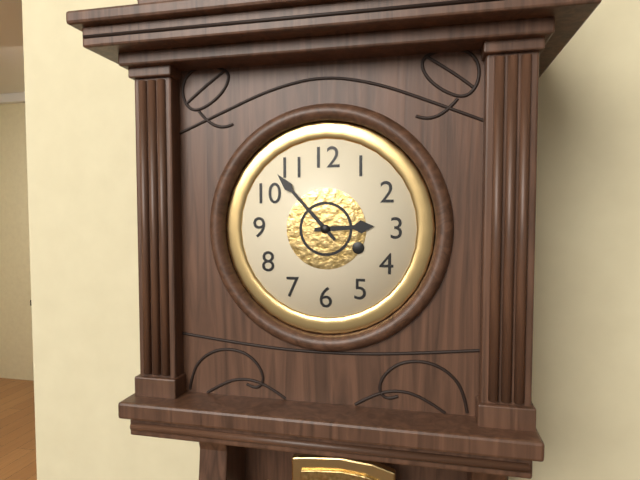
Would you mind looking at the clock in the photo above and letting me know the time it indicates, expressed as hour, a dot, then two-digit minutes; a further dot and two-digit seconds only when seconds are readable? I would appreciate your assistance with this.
2.53
